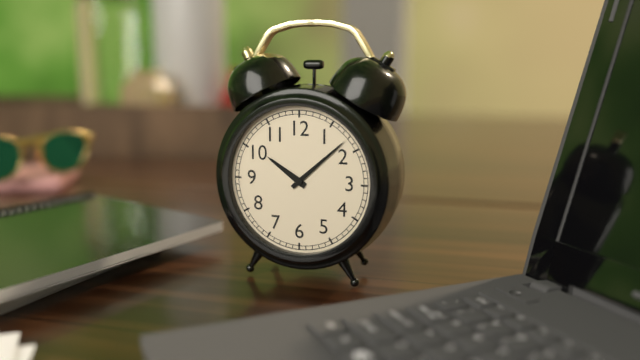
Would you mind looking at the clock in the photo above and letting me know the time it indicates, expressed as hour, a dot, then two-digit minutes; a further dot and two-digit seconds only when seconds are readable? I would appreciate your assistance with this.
10.08
